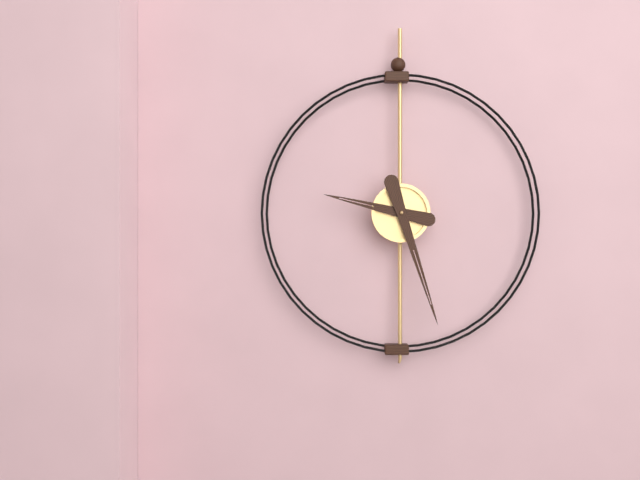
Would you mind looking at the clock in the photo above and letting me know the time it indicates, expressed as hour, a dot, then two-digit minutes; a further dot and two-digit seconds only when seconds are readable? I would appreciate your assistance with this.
9.27
